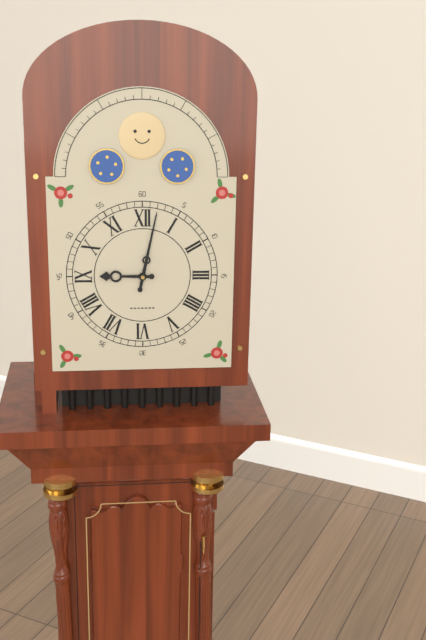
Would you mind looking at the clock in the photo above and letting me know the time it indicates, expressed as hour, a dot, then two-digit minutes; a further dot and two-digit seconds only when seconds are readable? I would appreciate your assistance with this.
9.02
